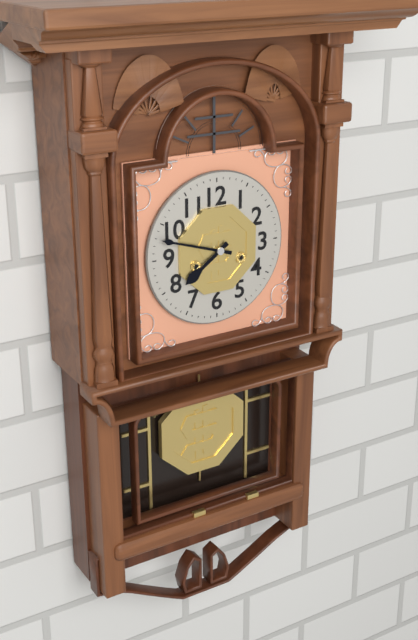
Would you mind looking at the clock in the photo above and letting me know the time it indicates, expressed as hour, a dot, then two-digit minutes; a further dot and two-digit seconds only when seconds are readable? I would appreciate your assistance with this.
7.48
